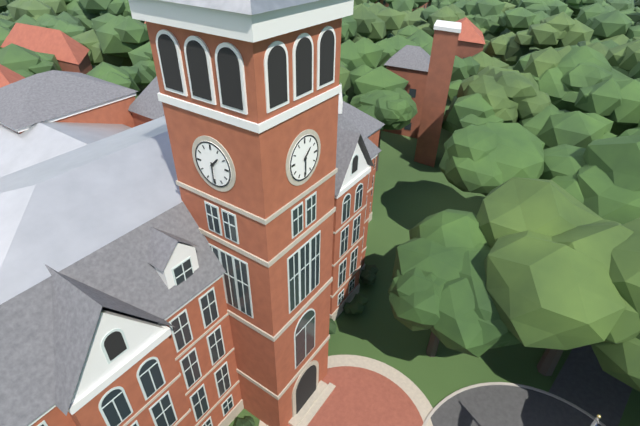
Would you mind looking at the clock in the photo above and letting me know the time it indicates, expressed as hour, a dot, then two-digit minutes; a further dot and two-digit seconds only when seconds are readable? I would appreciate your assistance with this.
1.30
